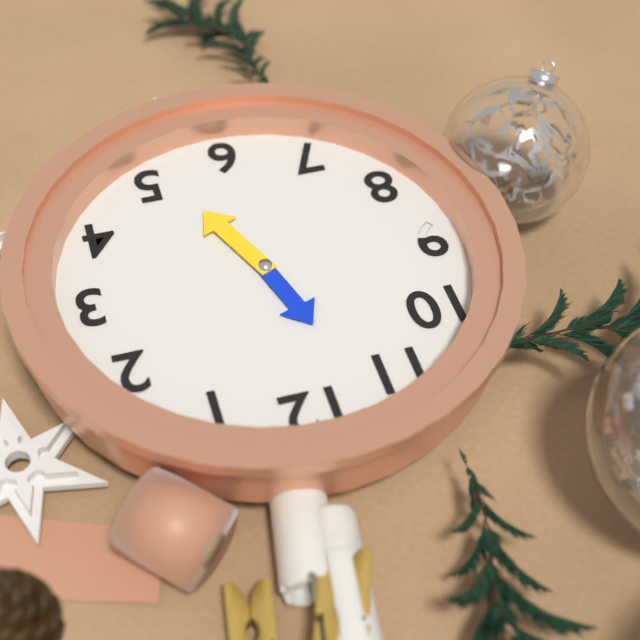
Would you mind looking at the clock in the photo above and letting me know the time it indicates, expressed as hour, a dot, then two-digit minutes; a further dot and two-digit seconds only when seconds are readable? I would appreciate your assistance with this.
11.26
